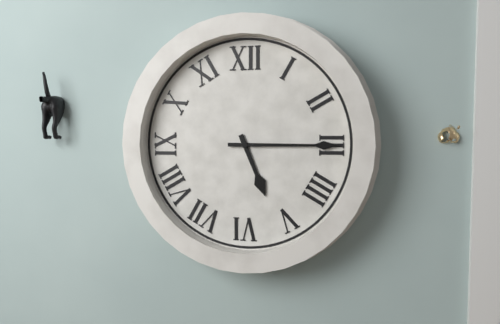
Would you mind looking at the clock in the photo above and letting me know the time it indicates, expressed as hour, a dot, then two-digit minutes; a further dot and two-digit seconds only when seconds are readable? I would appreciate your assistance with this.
5.15
